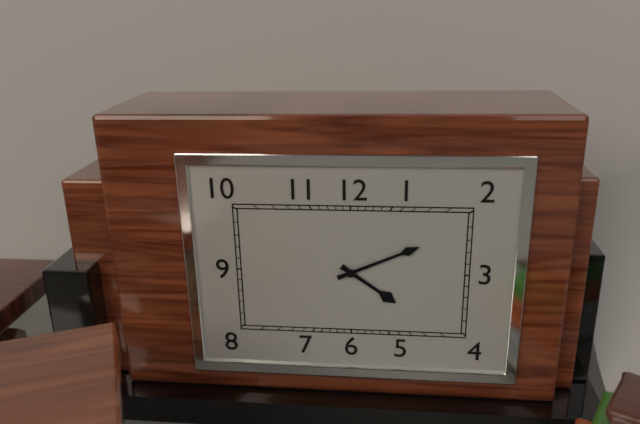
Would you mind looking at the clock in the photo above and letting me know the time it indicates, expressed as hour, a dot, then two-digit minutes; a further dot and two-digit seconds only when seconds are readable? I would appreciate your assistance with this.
4.11
